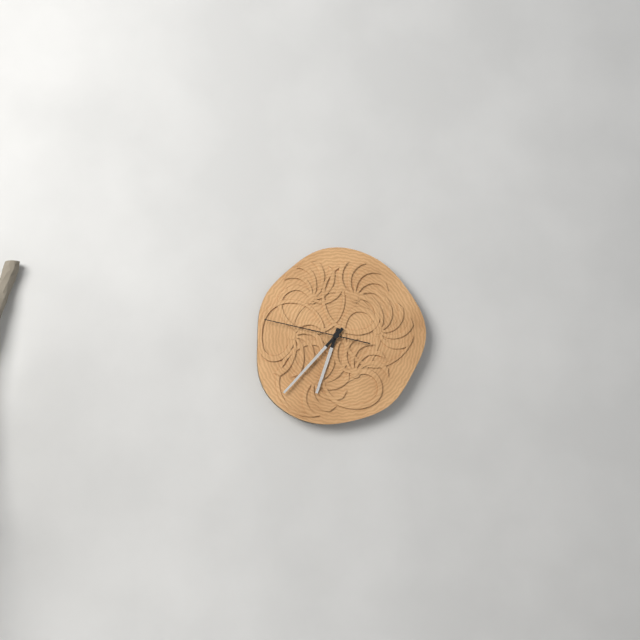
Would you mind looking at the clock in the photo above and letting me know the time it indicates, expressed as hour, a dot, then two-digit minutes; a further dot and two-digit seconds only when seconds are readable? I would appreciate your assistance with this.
6.37.47
